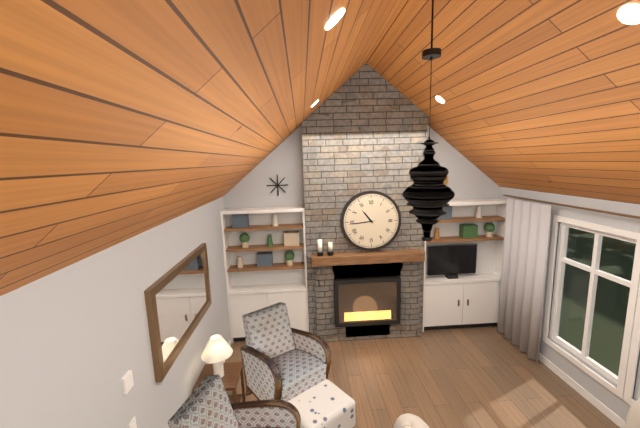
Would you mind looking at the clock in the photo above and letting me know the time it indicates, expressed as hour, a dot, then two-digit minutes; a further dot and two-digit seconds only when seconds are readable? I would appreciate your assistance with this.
10.44
